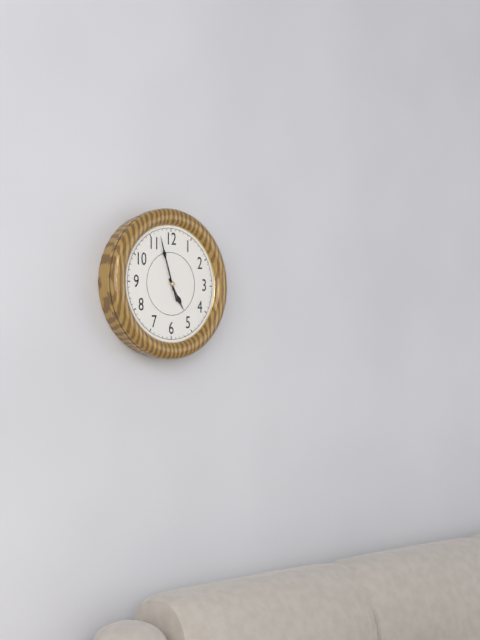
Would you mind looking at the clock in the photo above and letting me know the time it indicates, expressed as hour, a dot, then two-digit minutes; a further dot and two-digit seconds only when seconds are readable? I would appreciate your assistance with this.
4.57.57
